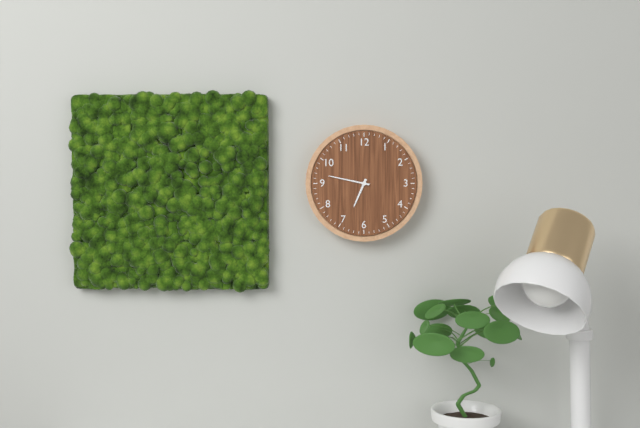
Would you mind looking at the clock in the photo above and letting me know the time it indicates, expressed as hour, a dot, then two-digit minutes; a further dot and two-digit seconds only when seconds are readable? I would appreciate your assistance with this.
6.47
